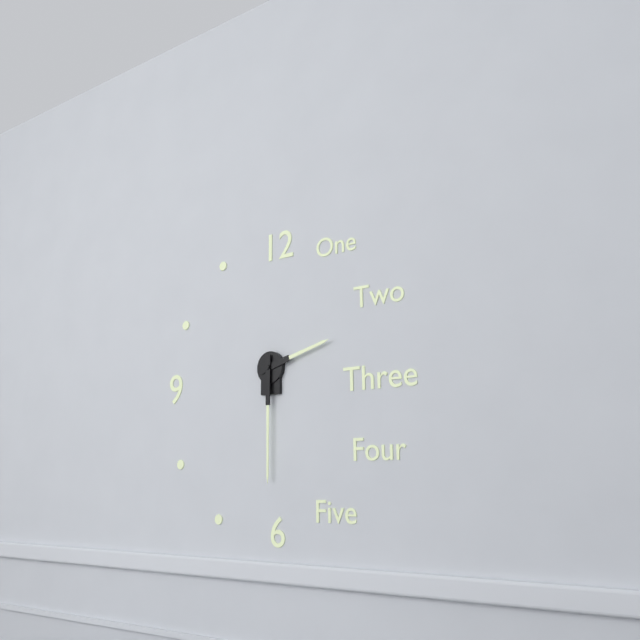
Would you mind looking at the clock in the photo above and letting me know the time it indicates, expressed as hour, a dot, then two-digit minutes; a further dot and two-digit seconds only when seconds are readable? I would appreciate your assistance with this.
2.30
